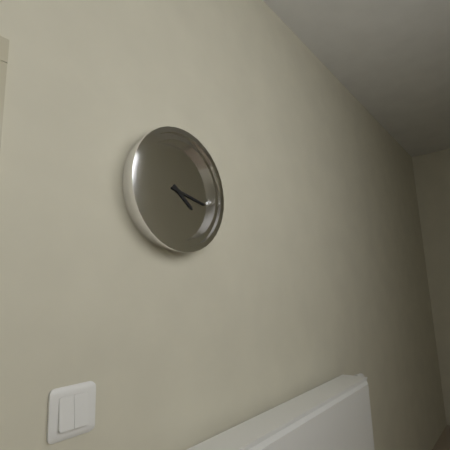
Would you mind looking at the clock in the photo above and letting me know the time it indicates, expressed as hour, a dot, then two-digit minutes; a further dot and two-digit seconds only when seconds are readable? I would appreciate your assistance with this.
4.17
